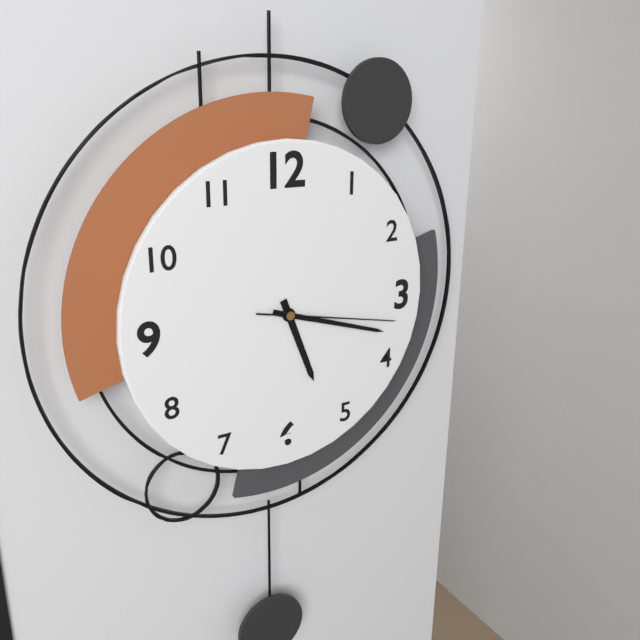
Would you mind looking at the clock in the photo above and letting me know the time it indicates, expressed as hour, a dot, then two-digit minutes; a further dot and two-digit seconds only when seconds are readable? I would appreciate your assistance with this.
5.18.17
